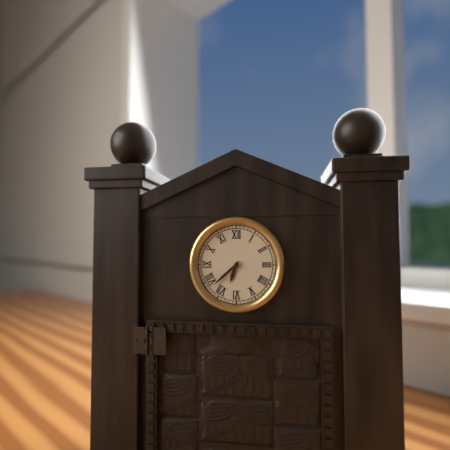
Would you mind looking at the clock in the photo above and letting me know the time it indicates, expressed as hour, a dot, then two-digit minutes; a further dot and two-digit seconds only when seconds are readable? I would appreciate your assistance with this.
6.38
